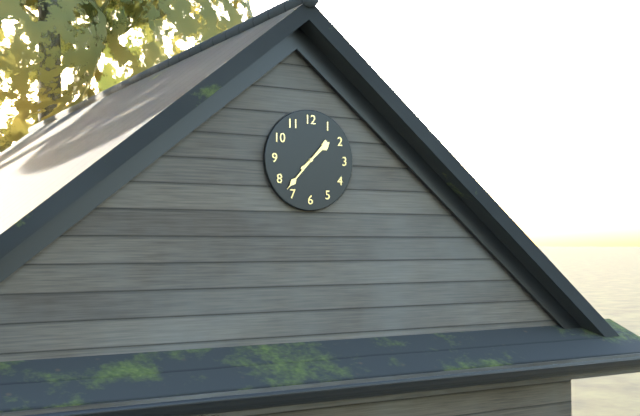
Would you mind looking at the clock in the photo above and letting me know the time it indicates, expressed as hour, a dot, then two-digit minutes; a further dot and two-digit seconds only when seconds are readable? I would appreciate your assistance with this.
1.37
